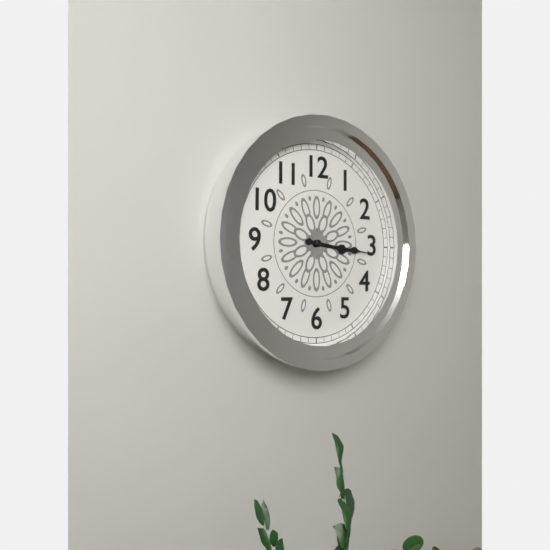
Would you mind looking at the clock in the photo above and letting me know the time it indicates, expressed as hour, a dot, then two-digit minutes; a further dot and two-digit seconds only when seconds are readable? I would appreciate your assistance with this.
3.16
